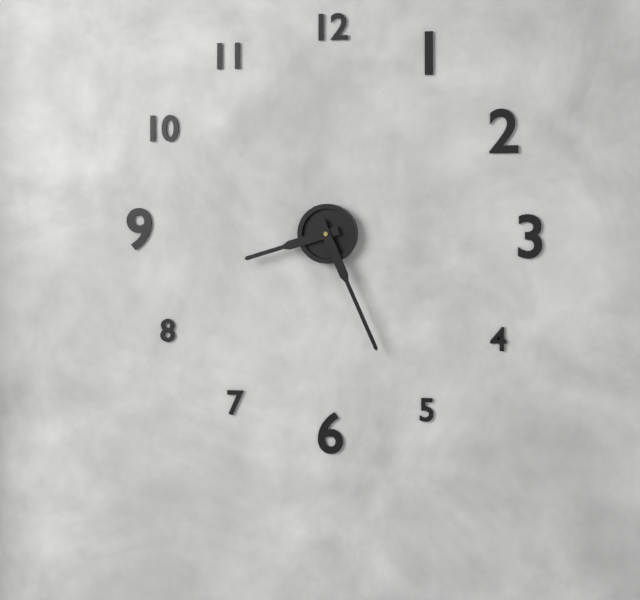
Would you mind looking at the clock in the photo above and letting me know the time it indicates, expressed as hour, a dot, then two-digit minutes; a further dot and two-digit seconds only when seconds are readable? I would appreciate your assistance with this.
8.26
